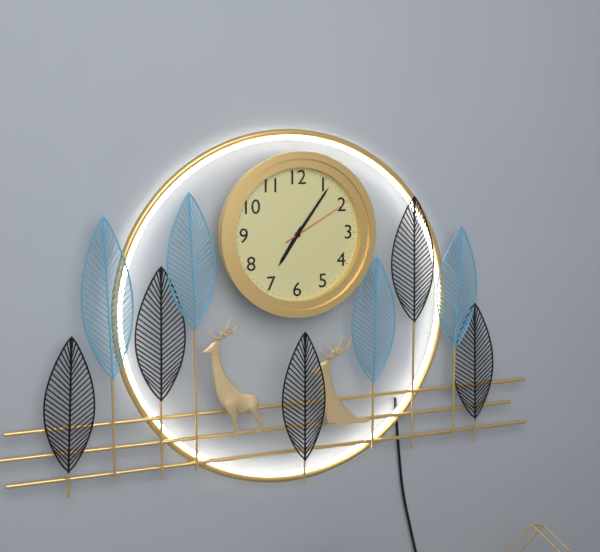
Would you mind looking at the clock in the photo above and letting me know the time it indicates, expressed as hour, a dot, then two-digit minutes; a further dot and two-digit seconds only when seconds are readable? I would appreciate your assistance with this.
7.06.10
